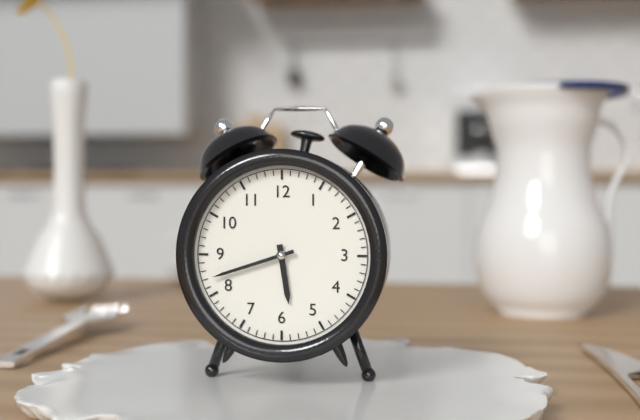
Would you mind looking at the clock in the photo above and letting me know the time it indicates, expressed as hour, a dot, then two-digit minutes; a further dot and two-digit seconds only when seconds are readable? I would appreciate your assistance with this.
5.42
